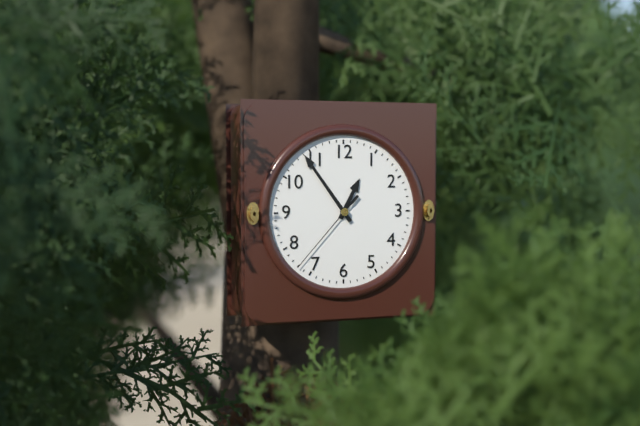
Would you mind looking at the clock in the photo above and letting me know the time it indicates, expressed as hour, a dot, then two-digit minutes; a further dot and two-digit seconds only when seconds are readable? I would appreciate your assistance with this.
12.54.37
